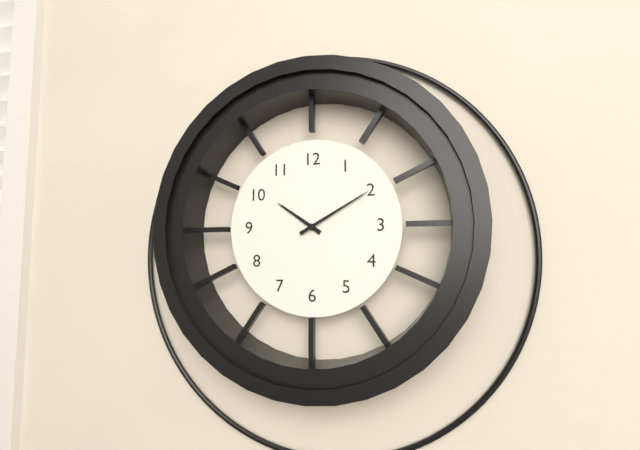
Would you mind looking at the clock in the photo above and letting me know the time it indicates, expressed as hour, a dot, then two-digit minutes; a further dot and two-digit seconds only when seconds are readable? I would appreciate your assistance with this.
10.10
